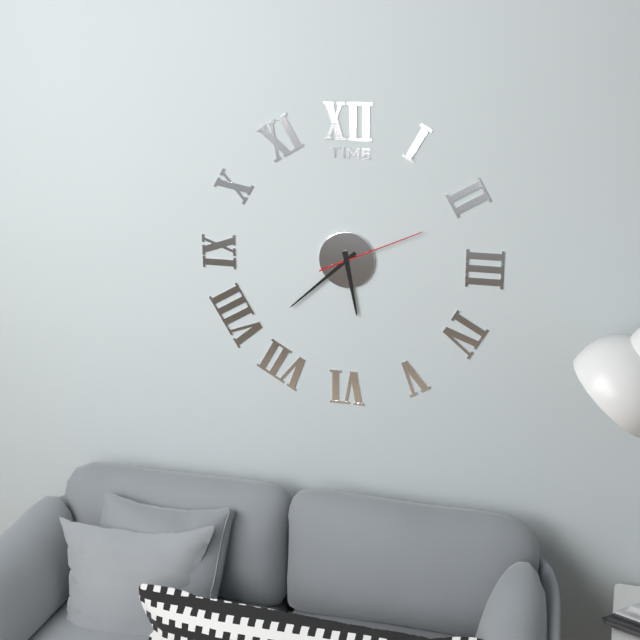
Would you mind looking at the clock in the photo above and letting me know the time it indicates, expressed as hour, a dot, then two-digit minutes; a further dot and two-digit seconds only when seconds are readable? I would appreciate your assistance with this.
5.38.11
